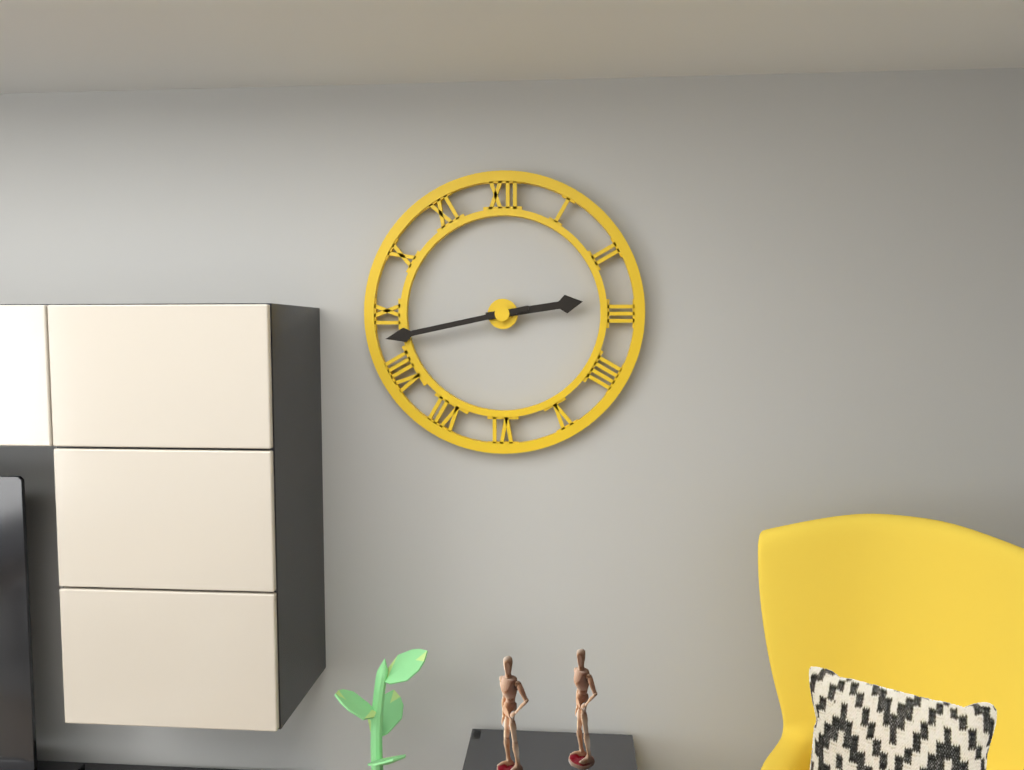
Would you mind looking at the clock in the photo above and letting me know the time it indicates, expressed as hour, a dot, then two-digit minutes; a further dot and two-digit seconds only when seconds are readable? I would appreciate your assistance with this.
2.43
